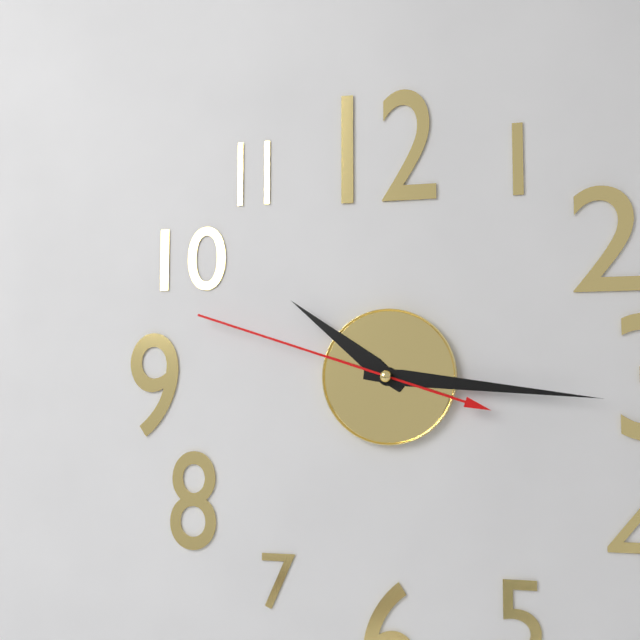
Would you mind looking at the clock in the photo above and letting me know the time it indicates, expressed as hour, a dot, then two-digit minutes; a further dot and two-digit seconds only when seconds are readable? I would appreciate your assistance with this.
10.16.48
